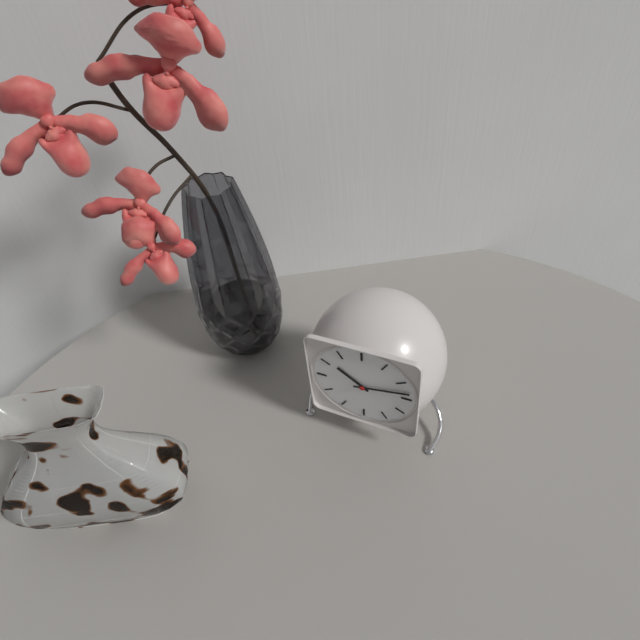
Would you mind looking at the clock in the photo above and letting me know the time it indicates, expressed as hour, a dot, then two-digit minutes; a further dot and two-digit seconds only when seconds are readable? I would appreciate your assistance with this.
10.13
